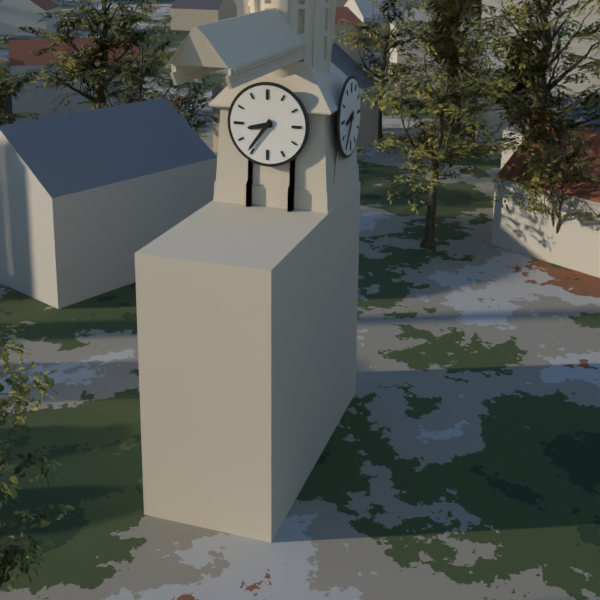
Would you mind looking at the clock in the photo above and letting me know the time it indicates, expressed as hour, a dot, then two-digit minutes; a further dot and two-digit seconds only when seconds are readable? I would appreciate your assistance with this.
8.36
